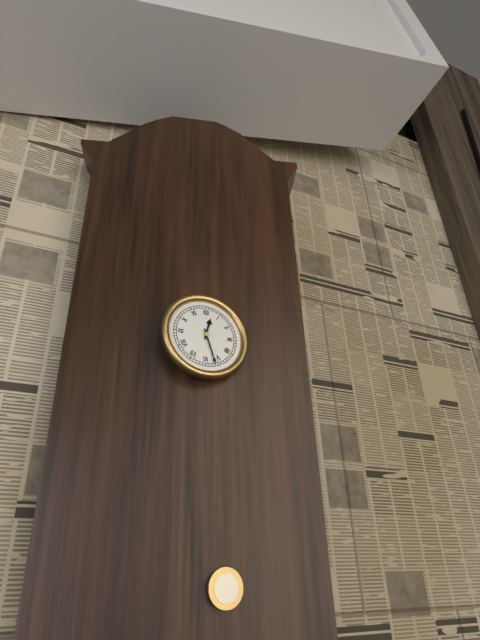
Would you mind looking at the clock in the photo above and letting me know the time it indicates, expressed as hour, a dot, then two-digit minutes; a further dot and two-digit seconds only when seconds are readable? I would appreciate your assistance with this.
12.27
